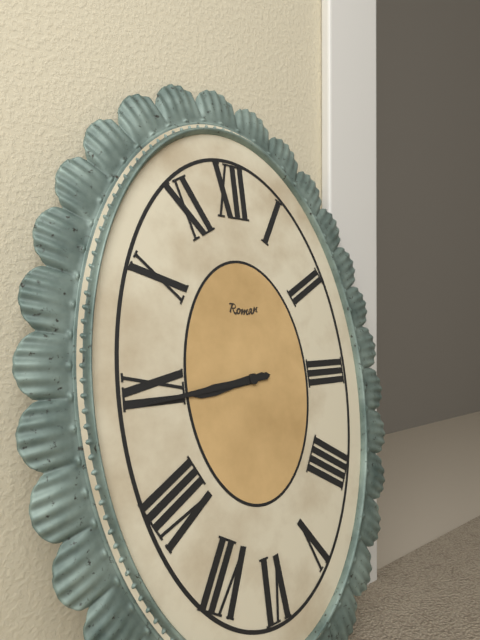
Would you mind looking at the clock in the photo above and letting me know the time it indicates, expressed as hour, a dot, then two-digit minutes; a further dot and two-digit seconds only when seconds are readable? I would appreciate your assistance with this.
8.44
